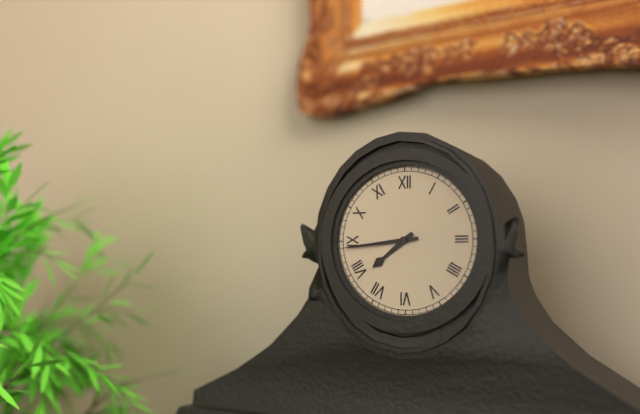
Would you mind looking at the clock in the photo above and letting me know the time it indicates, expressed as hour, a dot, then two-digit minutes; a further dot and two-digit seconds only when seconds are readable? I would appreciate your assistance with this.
7.44
